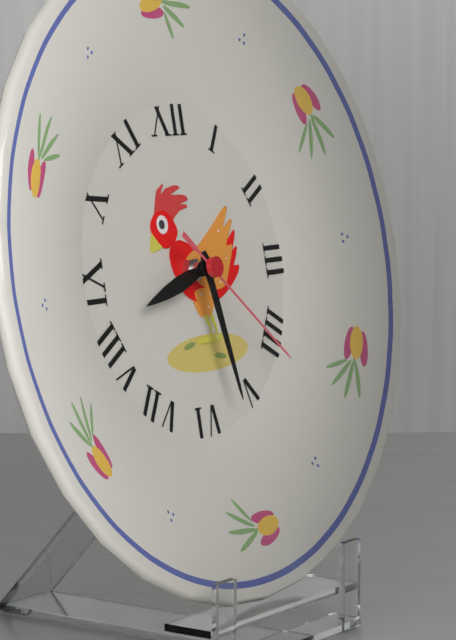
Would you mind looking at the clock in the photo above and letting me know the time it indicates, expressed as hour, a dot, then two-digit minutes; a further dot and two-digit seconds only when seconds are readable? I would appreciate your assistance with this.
8.28.22
